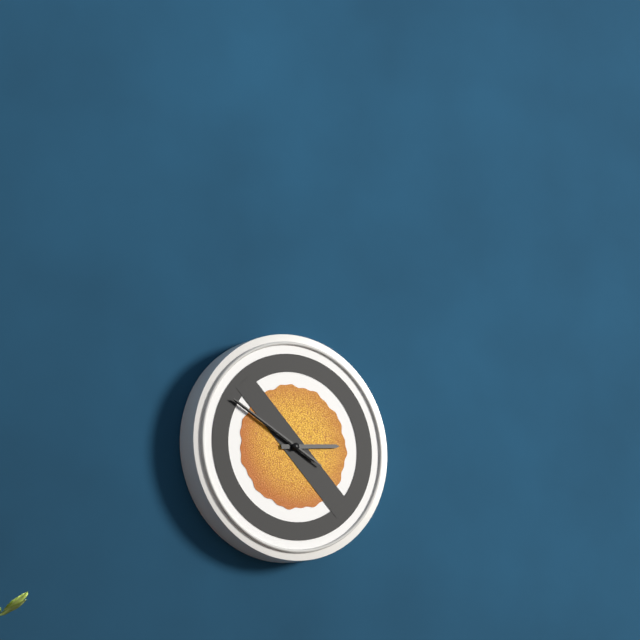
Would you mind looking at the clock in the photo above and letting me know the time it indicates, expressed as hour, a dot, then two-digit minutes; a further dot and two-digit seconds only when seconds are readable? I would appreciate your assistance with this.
2.50.50
